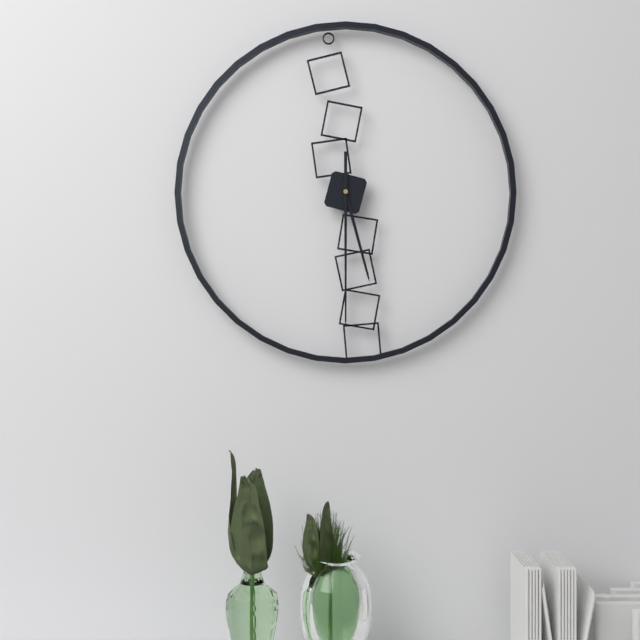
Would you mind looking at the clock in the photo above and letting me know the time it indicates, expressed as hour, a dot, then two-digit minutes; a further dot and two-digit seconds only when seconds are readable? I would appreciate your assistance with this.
5.30
